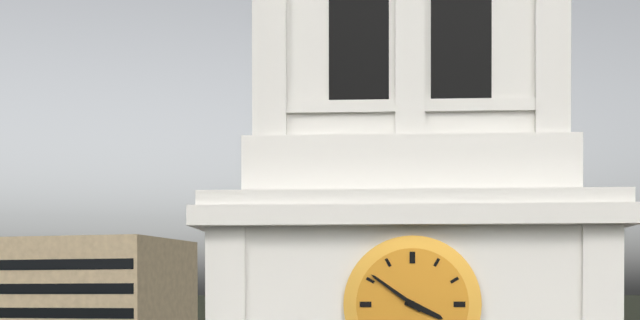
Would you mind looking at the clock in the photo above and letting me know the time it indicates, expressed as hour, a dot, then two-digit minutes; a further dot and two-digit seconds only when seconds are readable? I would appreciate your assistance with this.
3.51
